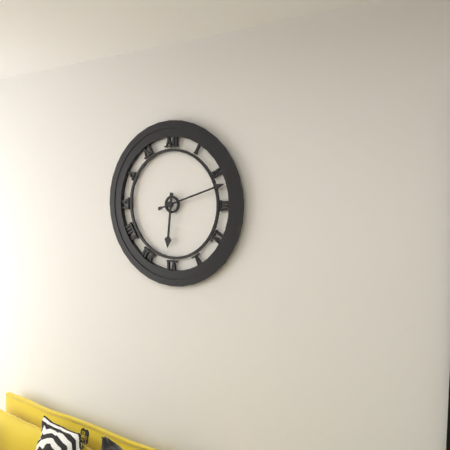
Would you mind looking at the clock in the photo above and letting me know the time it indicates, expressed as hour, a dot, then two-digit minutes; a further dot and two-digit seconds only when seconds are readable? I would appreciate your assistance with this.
6.12
